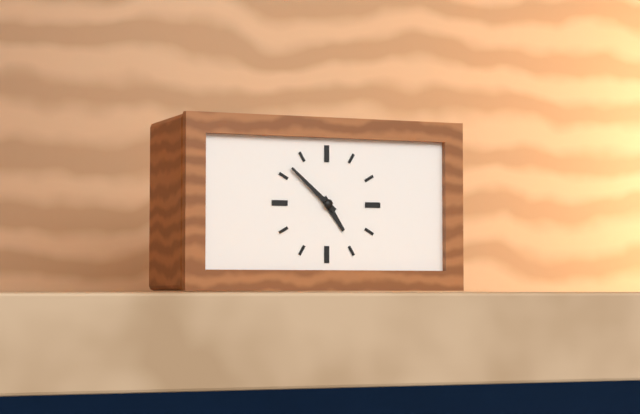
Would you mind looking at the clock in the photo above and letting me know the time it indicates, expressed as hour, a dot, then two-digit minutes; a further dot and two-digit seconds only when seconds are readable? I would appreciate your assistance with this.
4.52
